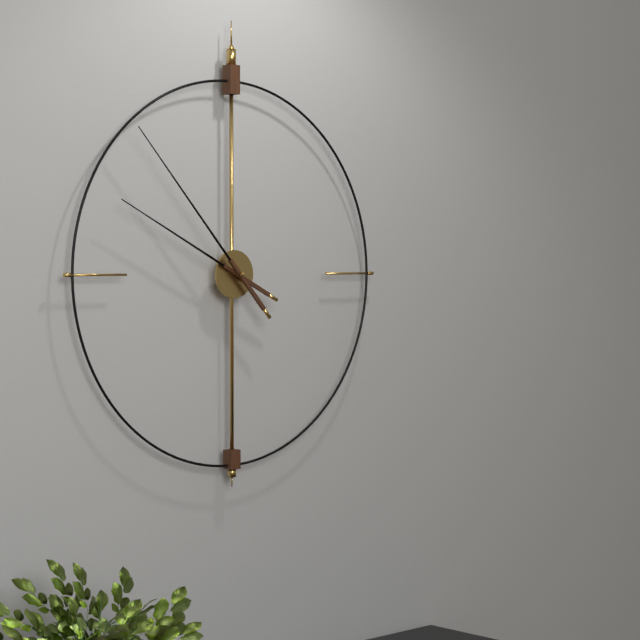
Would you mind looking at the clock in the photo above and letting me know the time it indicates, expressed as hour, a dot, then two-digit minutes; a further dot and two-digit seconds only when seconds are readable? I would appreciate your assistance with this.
9.53
